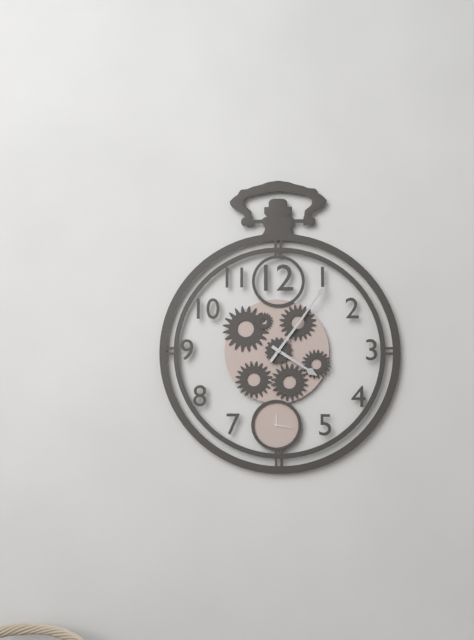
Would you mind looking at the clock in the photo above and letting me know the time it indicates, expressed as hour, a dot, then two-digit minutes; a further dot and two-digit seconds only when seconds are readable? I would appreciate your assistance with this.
4.06
